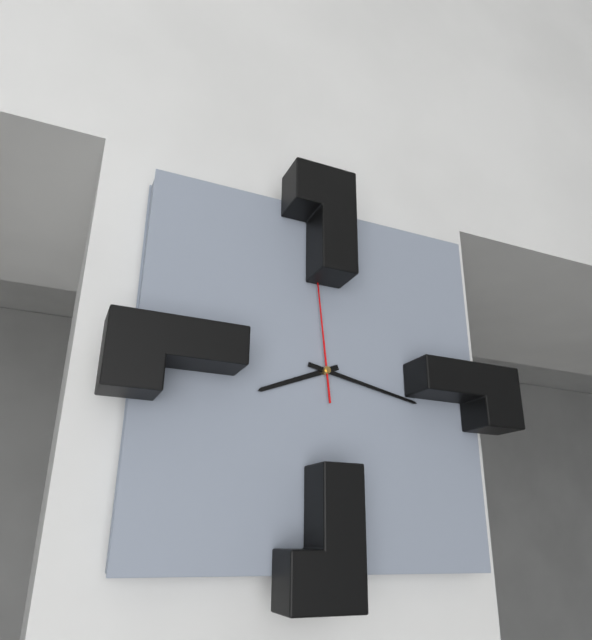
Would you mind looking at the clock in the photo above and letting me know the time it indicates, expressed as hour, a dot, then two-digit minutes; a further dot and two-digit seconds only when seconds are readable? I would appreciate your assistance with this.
8.17.59
